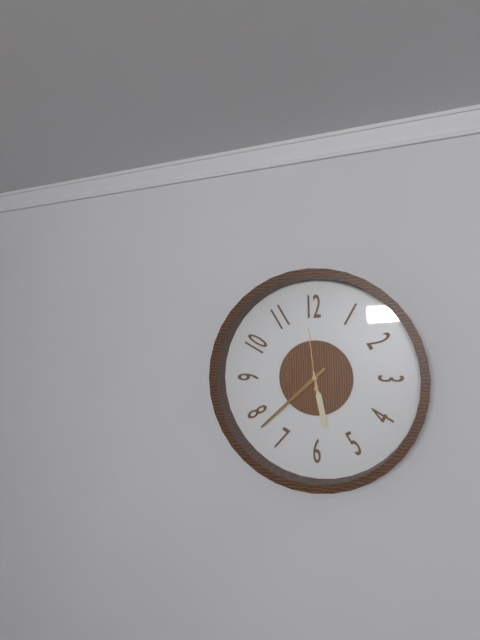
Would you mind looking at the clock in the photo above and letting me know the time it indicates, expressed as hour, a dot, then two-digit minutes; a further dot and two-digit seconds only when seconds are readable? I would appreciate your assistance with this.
5.38.59
